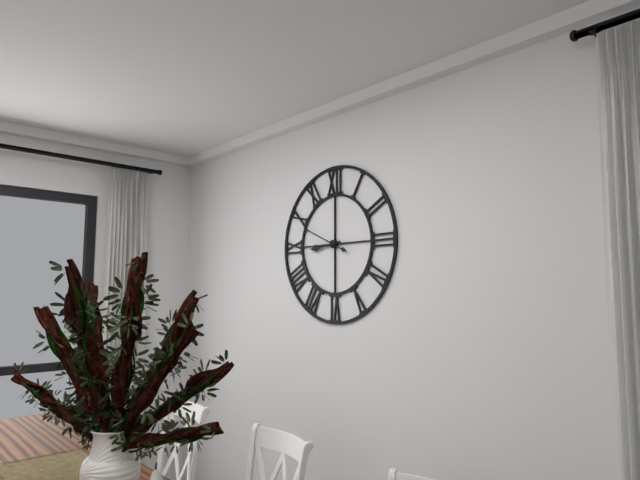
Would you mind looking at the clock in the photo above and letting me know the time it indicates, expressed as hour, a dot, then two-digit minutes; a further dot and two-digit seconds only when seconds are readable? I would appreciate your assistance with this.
8.49
